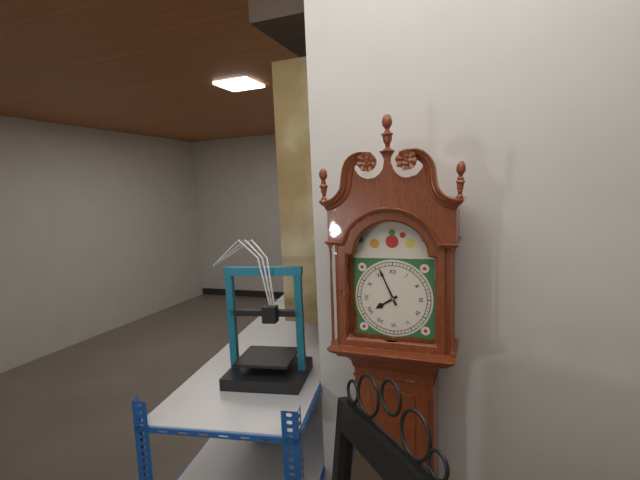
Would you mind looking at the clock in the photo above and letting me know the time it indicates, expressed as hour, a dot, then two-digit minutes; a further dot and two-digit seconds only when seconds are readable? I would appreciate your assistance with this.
7.56
